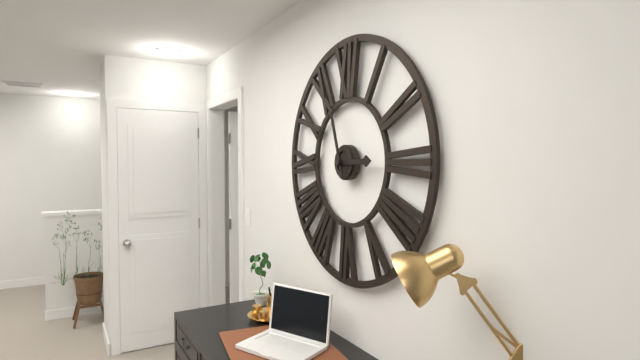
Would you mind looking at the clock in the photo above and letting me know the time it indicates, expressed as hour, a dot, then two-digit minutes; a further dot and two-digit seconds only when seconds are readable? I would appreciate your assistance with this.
2.57
